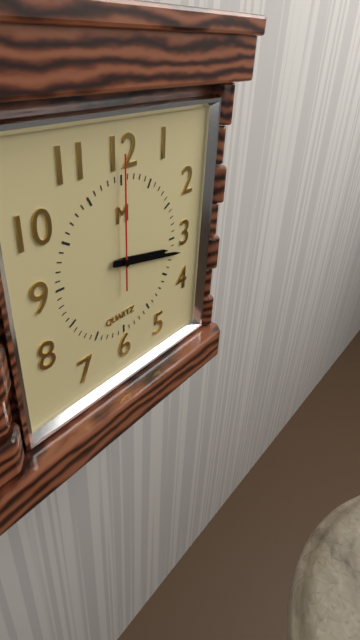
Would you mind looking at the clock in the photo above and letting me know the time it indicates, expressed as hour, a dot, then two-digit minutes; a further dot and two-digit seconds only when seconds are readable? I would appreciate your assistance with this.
3.17.00
